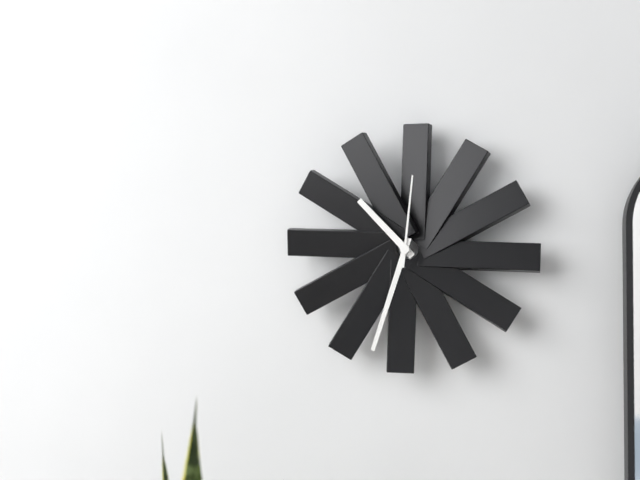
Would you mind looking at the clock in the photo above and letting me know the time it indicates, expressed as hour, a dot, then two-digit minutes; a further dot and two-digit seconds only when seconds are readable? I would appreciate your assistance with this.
10.33.01
